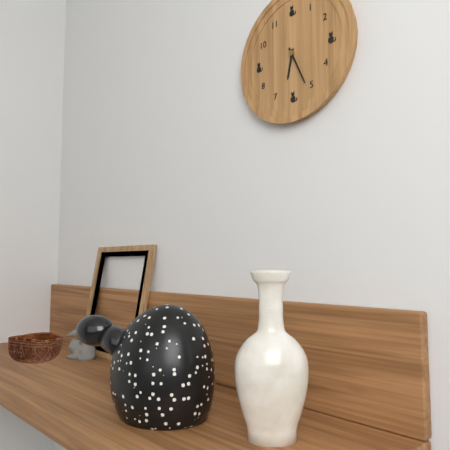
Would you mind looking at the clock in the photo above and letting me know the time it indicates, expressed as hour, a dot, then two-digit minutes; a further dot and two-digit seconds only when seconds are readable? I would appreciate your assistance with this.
6.26
